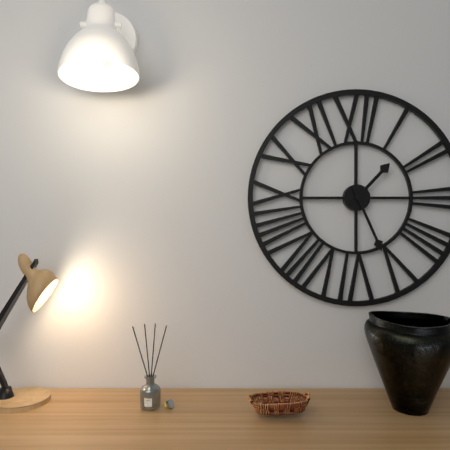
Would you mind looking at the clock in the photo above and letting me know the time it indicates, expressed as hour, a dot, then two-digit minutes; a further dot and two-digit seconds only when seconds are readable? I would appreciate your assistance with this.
1.26
